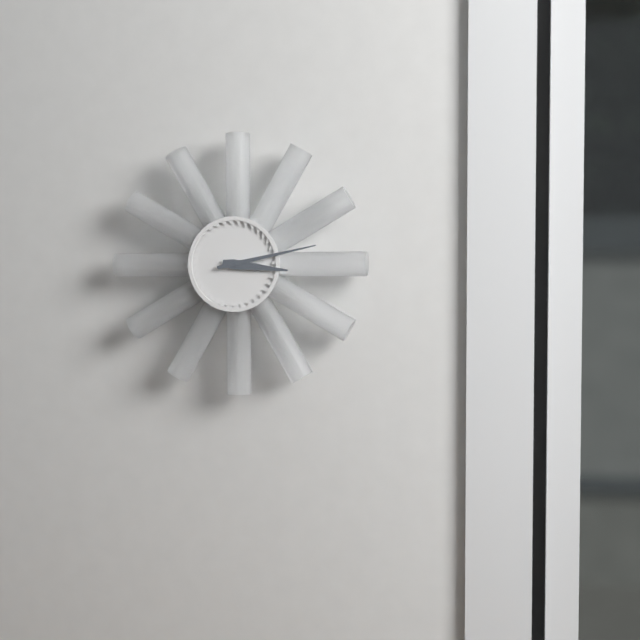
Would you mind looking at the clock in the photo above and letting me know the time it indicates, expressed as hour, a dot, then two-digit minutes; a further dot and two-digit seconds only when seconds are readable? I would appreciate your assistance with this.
3.13
